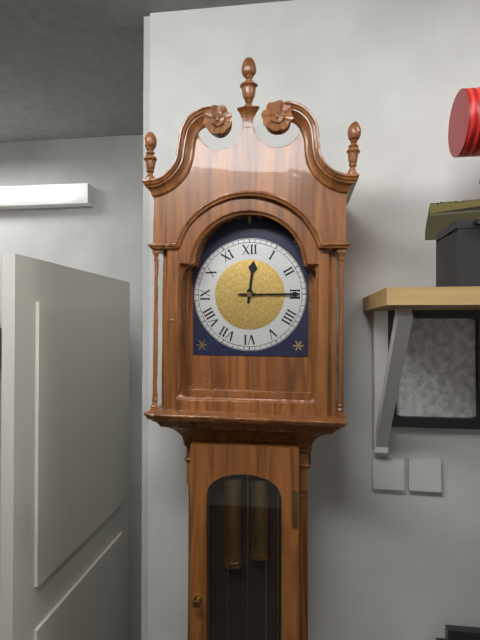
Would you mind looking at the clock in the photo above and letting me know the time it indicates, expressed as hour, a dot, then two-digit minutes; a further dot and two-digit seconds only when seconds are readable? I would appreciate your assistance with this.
12.15
